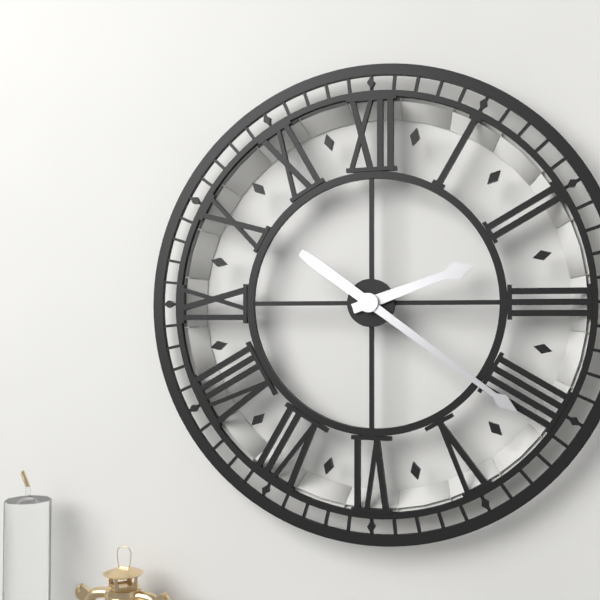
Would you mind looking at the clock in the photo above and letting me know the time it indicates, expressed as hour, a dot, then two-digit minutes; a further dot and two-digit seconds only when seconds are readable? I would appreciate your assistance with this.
2.21
